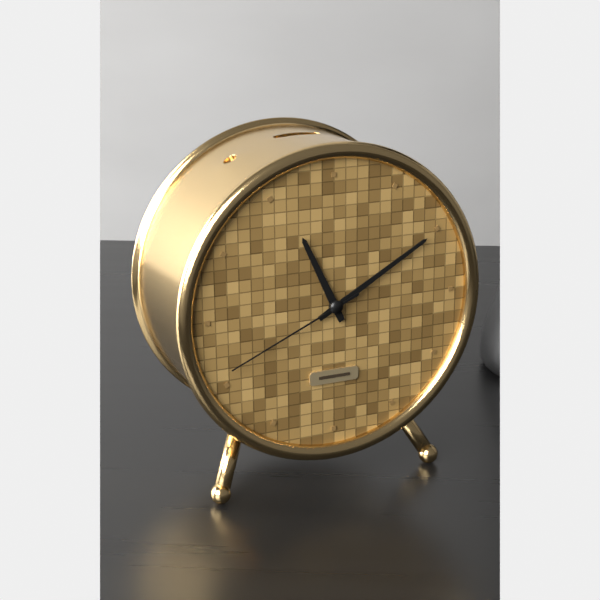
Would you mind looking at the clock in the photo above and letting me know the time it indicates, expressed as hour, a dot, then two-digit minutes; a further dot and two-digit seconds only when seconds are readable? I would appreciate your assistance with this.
11.10.41
